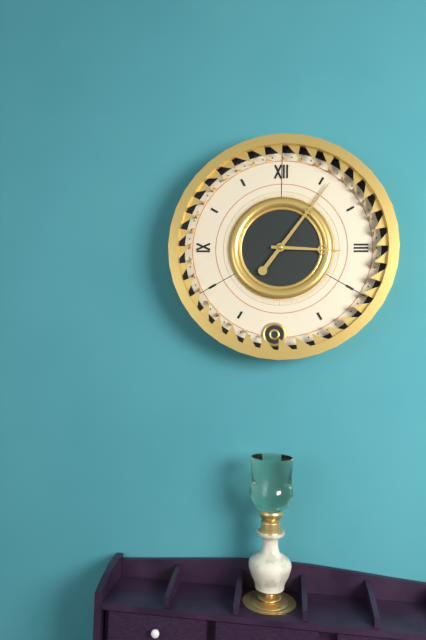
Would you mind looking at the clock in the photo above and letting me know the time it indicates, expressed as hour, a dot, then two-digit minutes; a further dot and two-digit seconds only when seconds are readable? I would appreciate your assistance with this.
3.06
